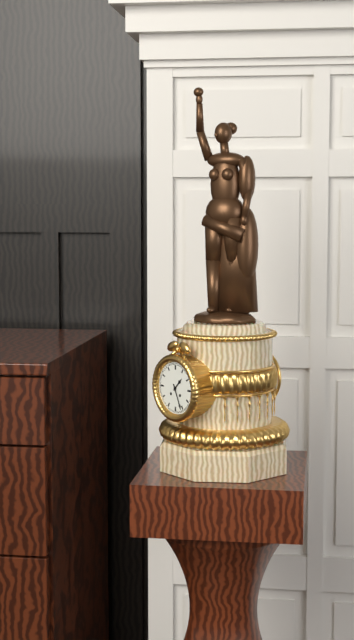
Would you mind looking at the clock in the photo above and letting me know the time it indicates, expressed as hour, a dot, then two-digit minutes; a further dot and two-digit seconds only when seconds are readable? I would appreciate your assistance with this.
1.26
